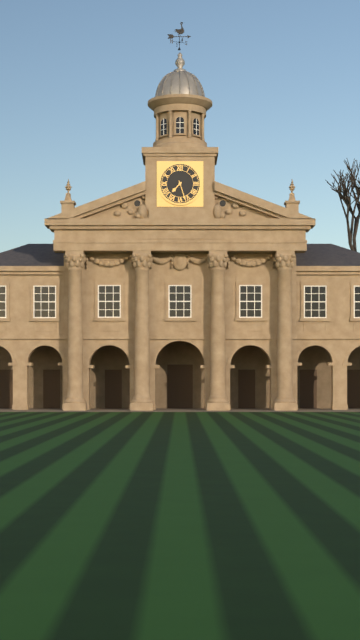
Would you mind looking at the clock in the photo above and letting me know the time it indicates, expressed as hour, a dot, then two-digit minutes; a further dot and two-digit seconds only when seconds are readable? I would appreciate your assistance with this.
7.27
